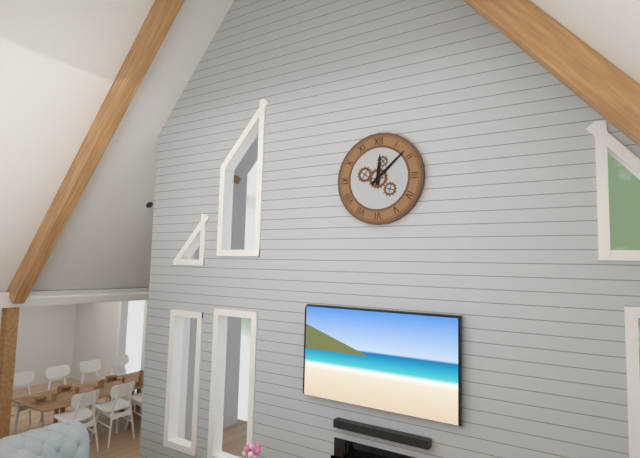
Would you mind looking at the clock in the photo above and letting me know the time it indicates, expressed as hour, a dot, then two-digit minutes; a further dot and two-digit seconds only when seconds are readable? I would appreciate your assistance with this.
12.08
